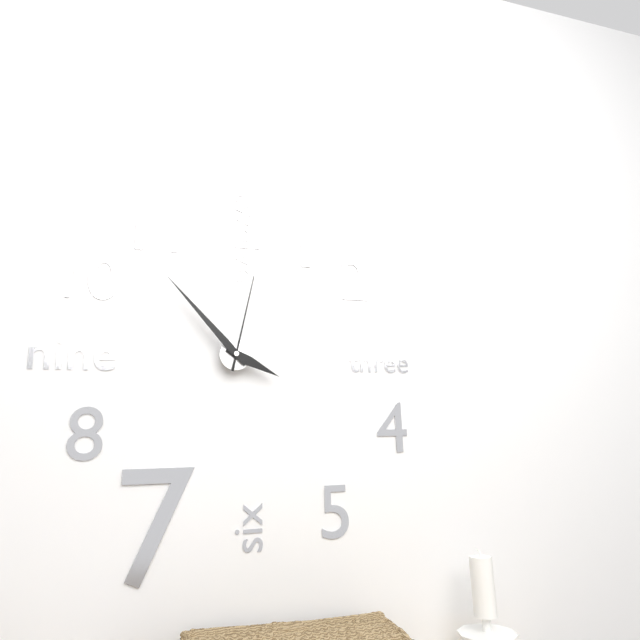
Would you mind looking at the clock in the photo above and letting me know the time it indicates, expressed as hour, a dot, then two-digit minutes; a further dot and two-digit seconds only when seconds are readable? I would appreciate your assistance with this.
3.53.02
